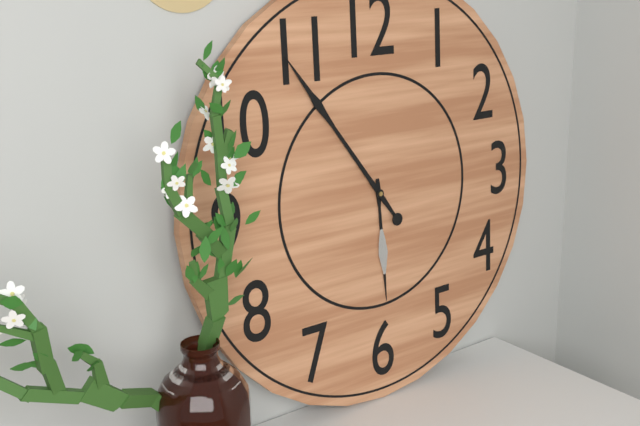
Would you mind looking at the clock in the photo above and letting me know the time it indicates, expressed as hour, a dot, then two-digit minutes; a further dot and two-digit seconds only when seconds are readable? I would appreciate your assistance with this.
5.54
